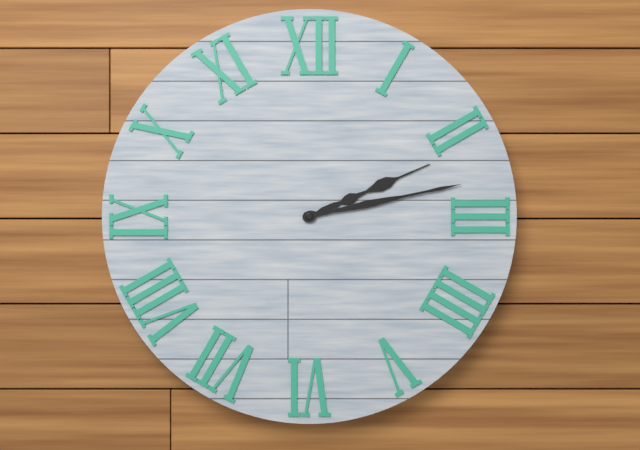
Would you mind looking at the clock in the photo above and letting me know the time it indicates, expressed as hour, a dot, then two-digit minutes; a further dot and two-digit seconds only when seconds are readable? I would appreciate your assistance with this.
2.13
